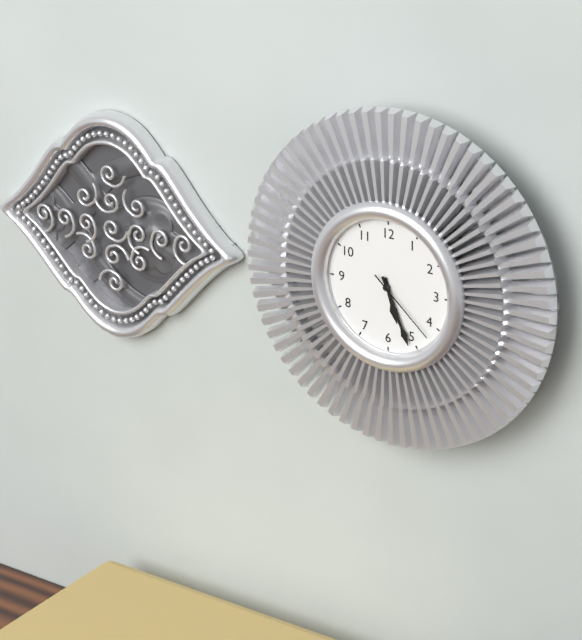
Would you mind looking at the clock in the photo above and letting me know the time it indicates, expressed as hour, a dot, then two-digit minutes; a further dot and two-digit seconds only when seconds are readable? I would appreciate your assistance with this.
5.26.22
